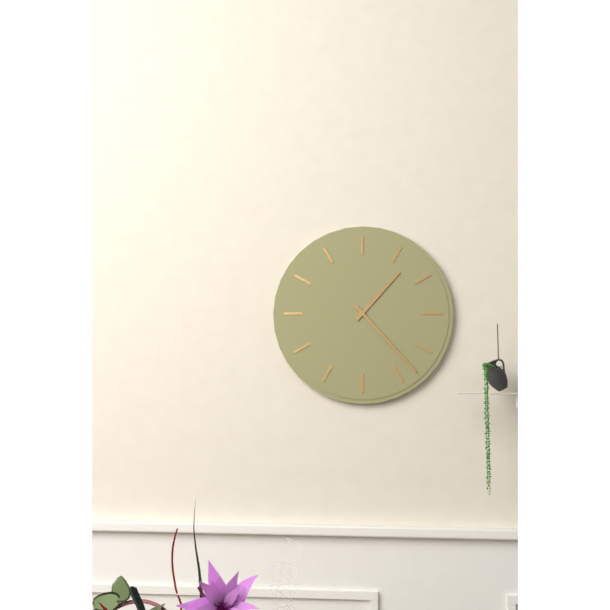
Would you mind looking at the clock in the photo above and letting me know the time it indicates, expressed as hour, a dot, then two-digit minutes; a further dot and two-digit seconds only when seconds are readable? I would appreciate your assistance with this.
1.23
